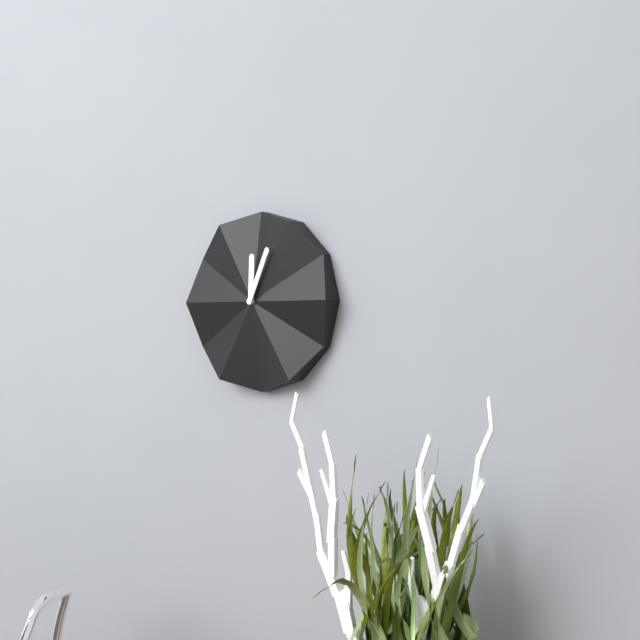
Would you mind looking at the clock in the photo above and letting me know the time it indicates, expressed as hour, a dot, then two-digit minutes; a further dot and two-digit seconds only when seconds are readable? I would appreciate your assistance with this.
12.04
